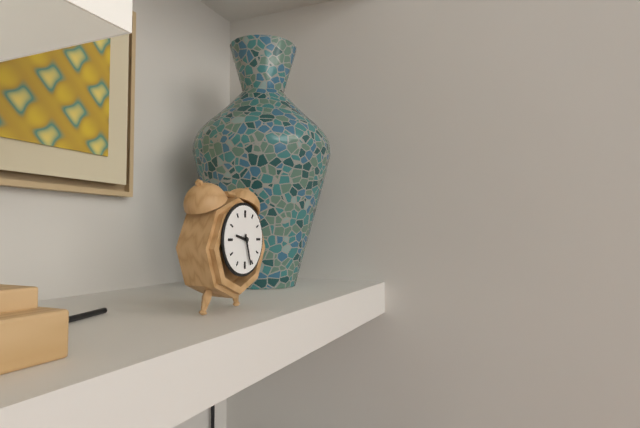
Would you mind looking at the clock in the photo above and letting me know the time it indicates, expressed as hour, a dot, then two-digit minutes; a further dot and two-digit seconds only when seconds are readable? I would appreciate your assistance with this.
9.27
